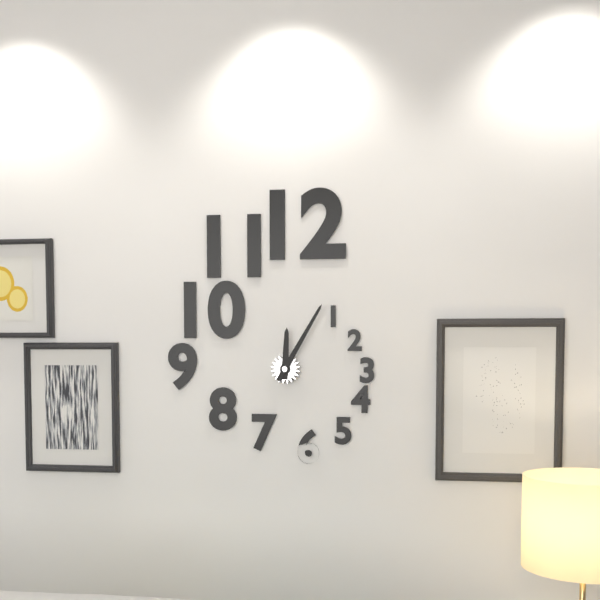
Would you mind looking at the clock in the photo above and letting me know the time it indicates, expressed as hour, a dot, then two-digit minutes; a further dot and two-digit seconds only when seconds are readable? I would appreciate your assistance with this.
12.05
